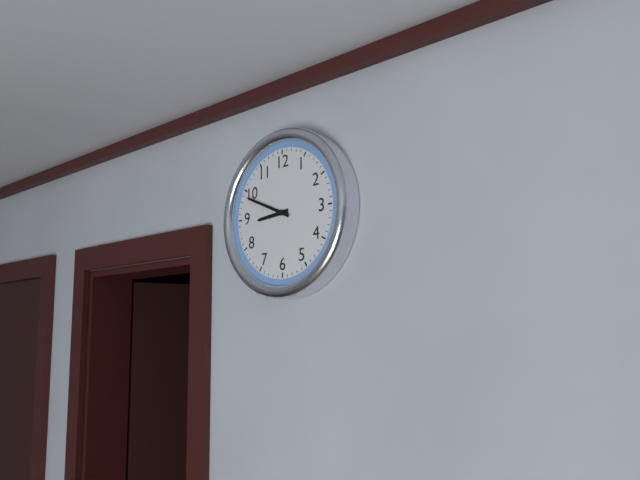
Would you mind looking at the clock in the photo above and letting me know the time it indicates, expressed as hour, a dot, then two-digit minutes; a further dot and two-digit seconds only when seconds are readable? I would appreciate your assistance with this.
8.49
